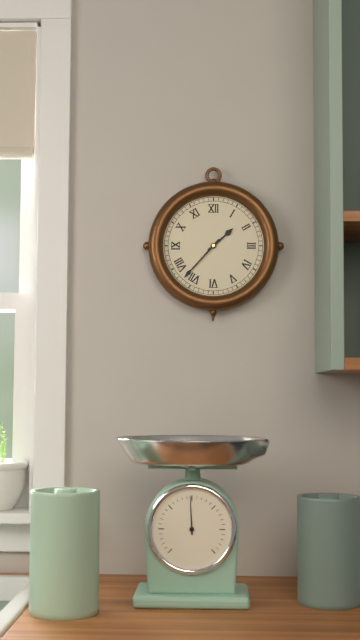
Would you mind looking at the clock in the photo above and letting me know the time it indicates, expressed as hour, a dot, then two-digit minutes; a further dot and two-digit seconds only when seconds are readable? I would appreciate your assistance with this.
1.37
